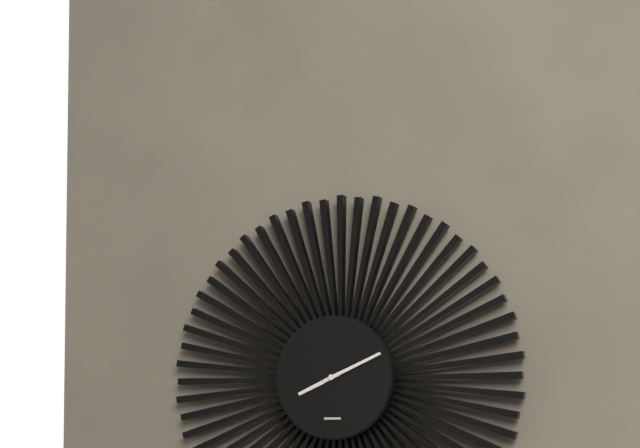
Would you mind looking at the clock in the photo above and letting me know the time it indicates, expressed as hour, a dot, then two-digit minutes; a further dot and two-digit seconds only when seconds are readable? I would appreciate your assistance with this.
8.11
